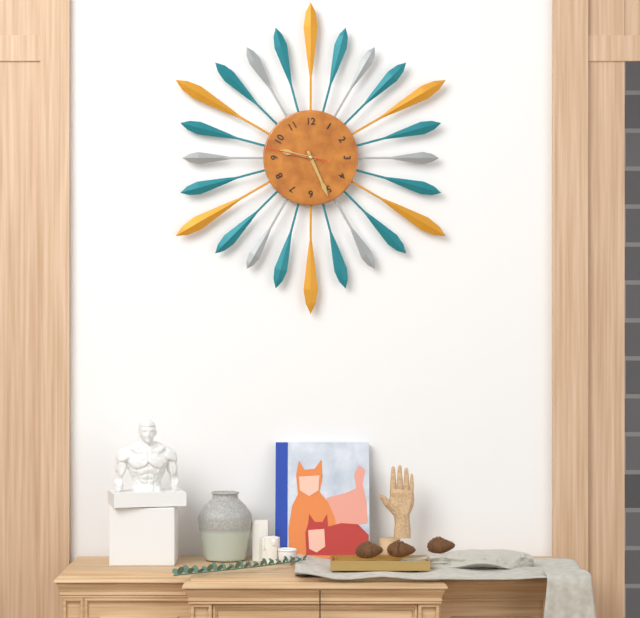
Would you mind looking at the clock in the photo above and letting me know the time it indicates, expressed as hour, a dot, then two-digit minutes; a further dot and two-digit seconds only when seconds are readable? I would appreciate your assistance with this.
9.26.47
